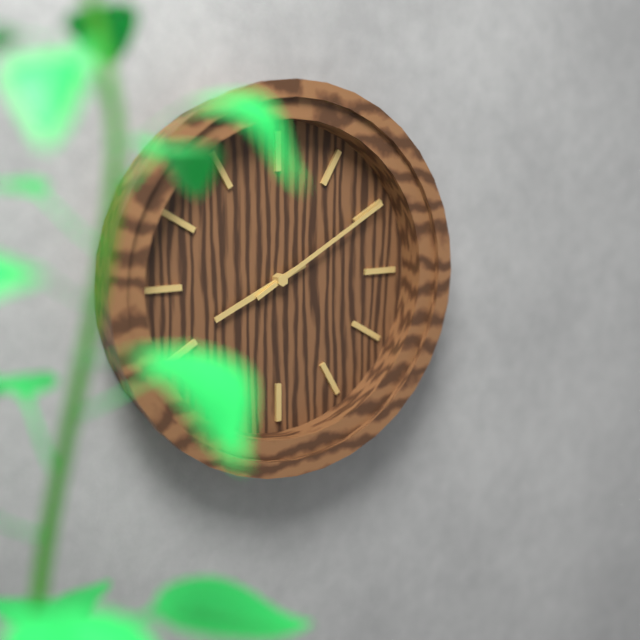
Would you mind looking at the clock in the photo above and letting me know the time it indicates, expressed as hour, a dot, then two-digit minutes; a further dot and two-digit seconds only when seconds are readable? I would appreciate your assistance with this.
8.10
